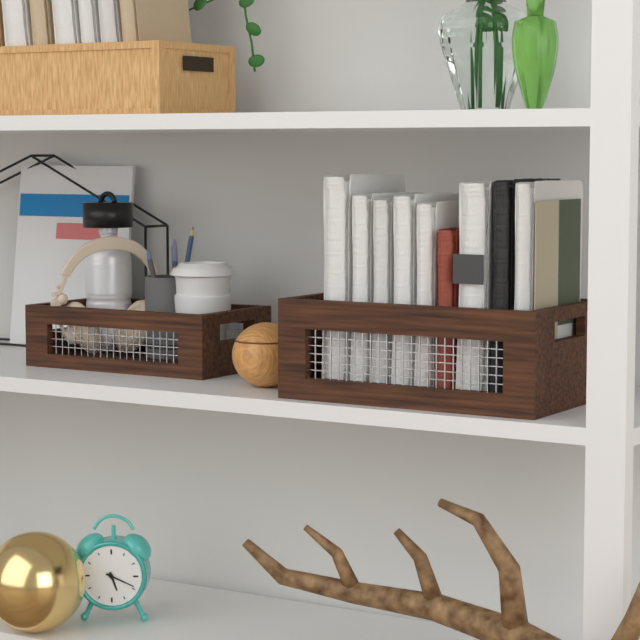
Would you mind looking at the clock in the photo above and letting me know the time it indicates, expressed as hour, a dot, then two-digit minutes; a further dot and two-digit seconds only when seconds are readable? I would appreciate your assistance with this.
5.19
